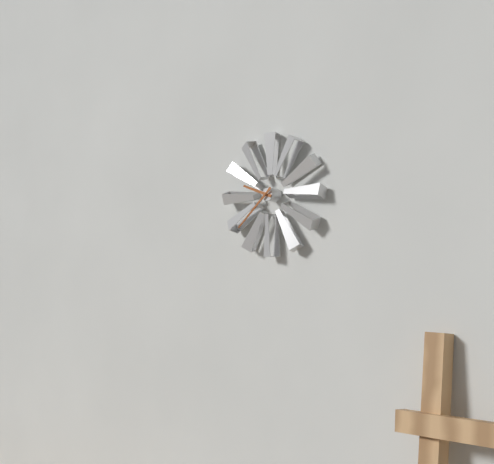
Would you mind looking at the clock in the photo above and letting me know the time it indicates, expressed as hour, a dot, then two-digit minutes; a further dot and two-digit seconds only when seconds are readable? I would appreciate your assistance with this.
9.38
